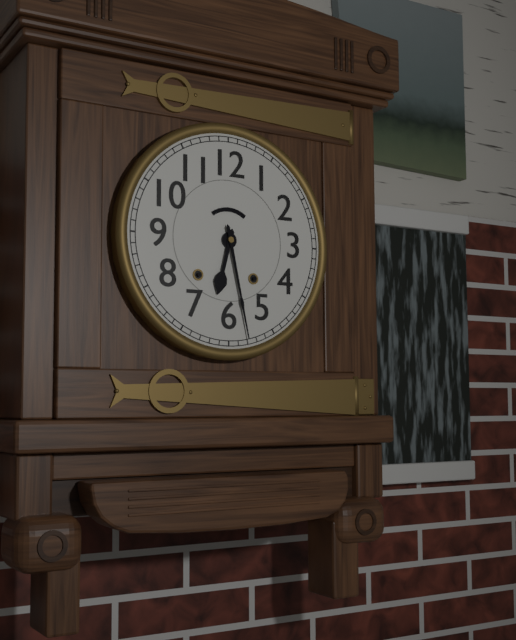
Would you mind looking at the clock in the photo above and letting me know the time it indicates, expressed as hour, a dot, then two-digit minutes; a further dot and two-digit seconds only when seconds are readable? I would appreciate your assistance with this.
6.28
